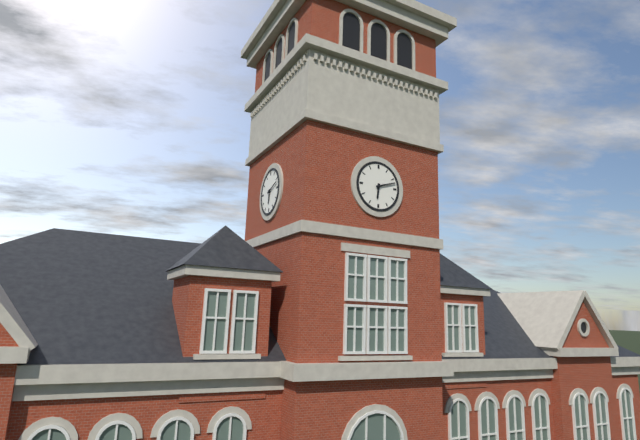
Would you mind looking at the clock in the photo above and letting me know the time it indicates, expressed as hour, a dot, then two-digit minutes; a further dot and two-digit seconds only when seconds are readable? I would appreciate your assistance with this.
6.12
